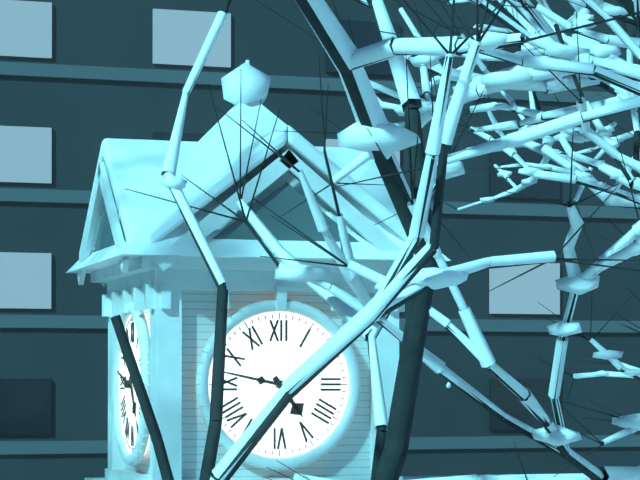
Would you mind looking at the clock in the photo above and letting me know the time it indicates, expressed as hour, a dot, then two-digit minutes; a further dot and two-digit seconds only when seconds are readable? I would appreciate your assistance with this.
4.47
